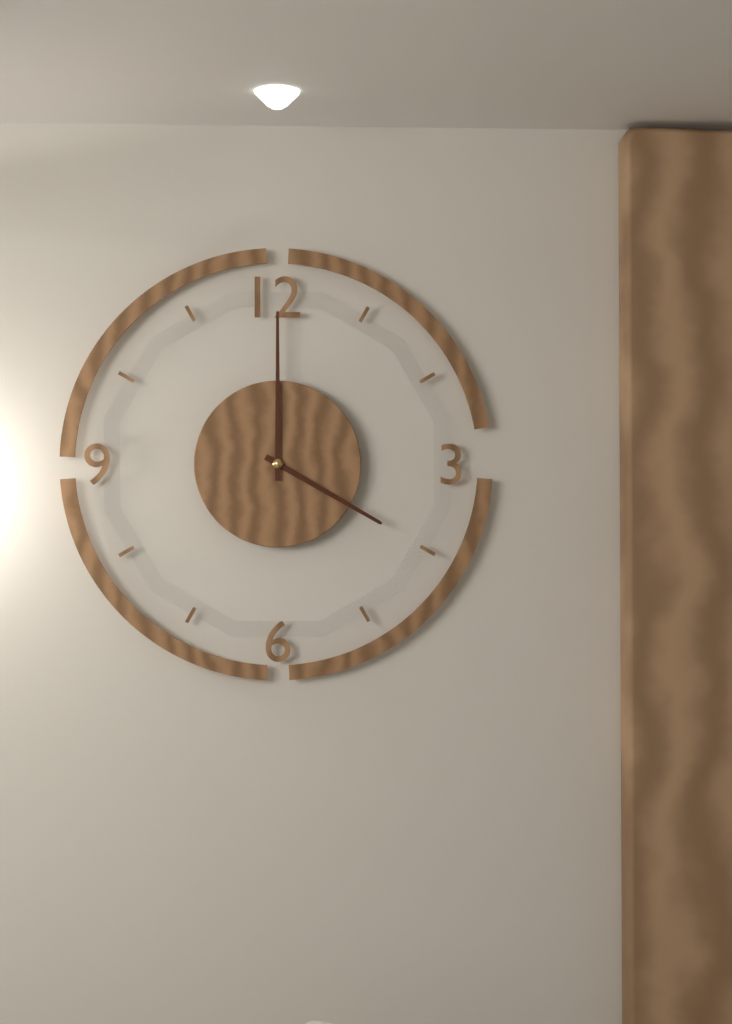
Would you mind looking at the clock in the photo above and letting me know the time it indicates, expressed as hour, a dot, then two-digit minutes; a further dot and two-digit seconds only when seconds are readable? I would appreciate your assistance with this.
4.00
